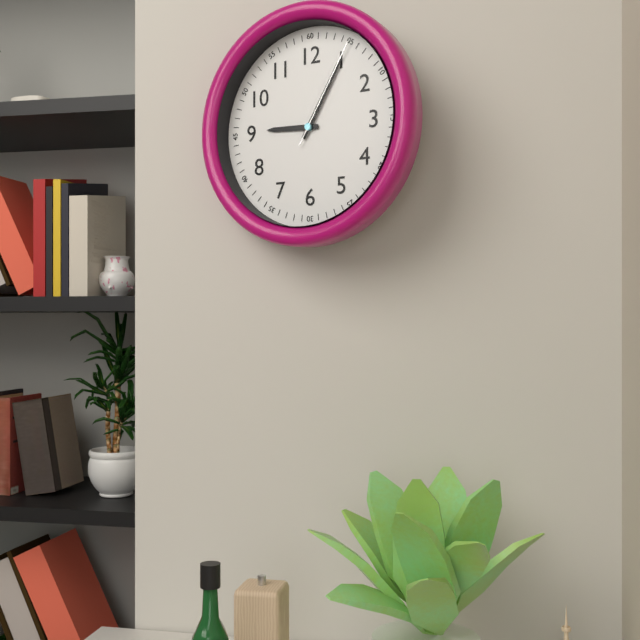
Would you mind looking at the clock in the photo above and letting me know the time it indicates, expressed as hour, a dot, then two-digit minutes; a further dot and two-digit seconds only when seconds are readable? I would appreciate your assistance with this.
9.05.05
